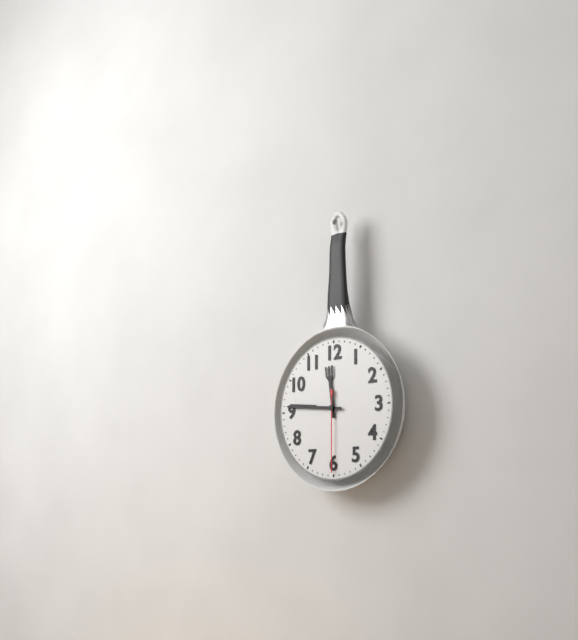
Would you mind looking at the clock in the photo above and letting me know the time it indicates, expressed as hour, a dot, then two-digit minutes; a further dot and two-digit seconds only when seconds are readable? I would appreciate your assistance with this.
11.46.30
